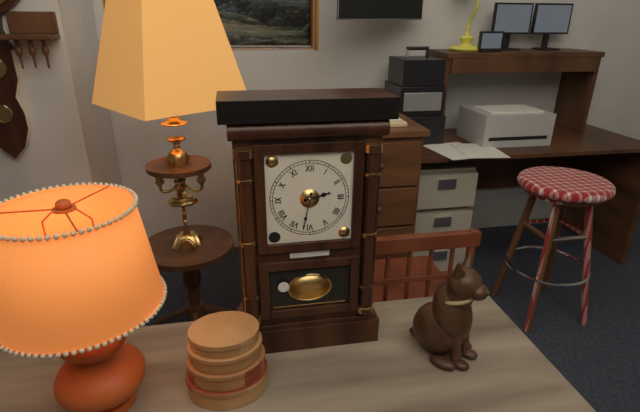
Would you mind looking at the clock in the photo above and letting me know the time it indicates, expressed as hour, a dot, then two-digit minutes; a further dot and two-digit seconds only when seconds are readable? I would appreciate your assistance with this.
2.32
